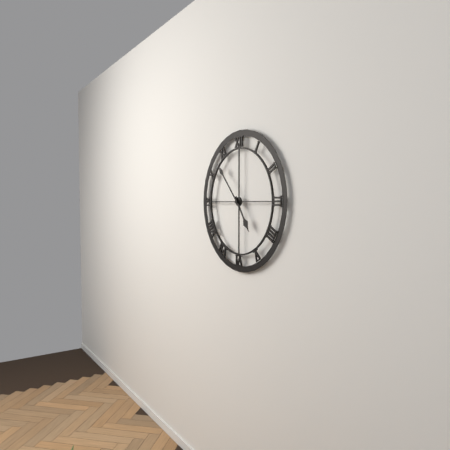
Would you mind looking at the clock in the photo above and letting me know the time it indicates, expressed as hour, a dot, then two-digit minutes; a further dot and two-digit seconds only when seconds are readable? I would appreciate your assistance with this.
4.53
